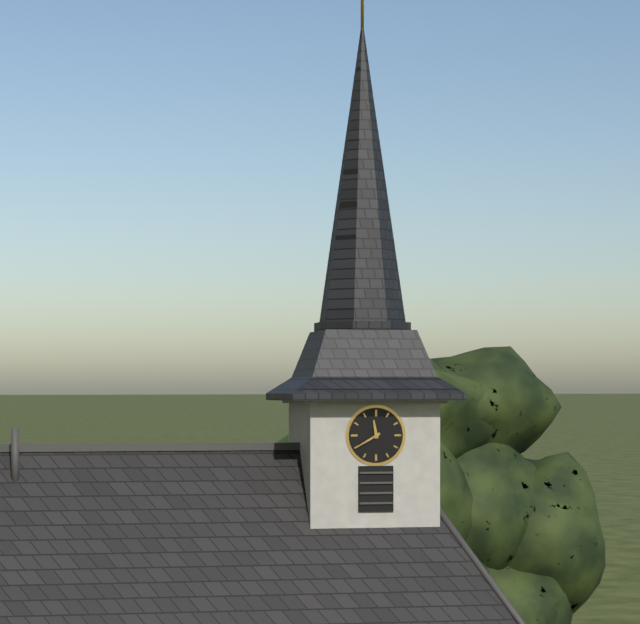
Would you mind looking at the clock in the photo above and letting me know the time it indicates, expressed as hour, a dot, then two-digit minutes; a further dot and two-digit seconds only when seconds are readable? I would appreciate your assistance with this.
11.40
